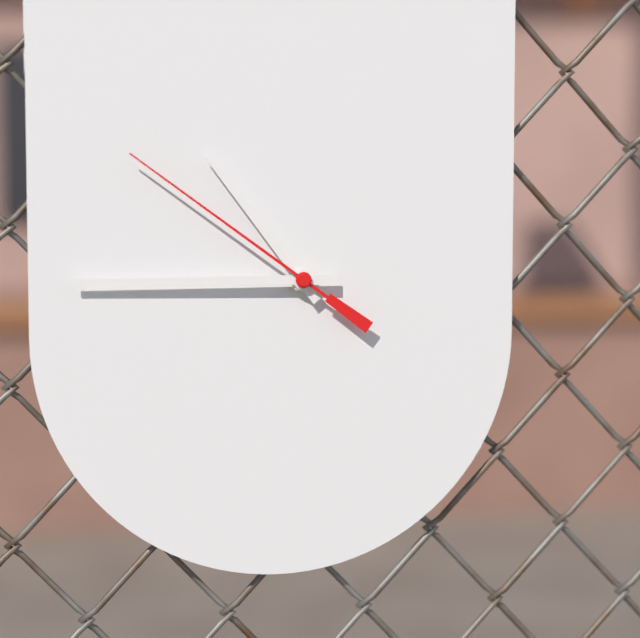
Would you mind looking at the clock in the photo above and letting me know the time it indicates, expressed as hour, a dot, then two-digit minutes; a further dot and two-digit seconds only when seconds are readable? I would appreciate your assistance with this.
10.45.51
